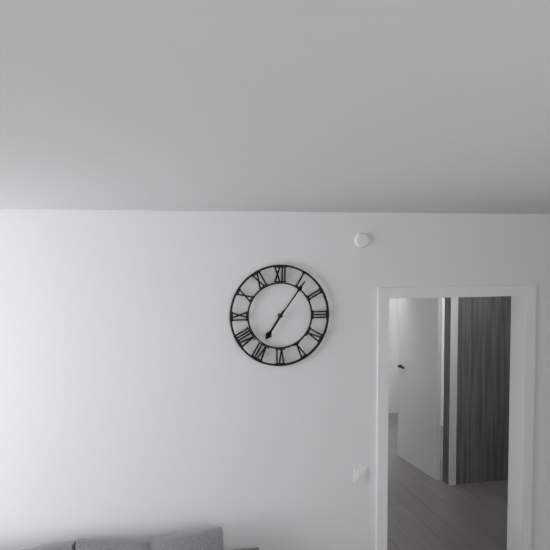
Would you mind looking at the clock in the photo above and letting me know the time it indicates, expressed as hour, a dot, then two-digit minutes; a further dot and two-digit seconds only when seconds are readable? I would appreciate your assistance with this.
7.06
